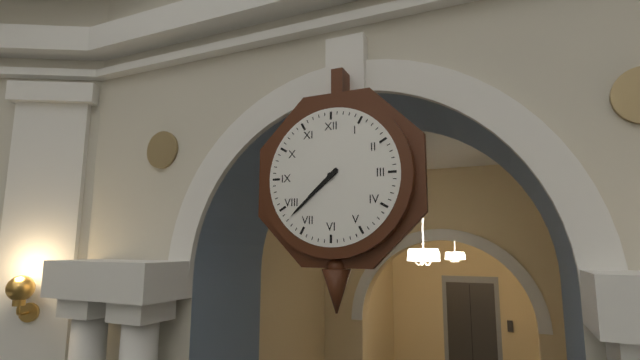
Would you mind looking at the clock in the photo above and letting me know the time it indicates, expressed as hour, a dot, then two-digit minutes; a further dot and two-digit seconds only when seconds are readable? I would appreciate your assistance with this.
7.38
